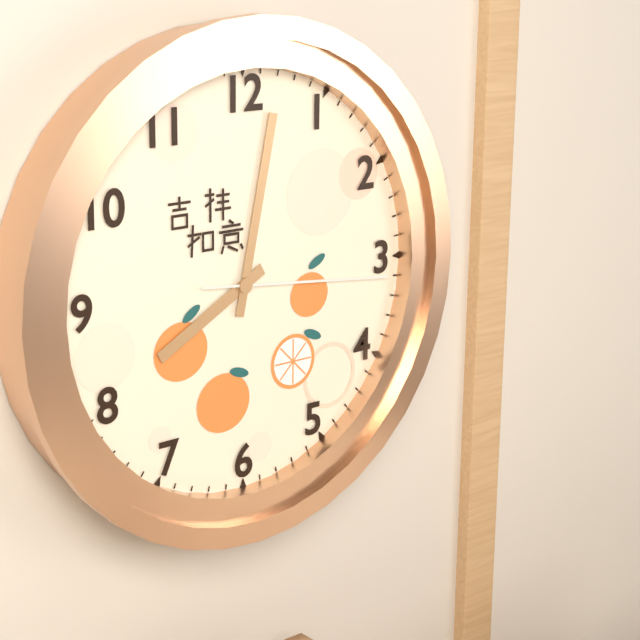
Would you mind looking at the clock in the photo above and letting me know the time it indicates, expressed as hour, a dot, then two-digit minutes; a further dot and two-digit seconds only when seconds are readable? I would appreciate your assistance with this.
8.02.16
